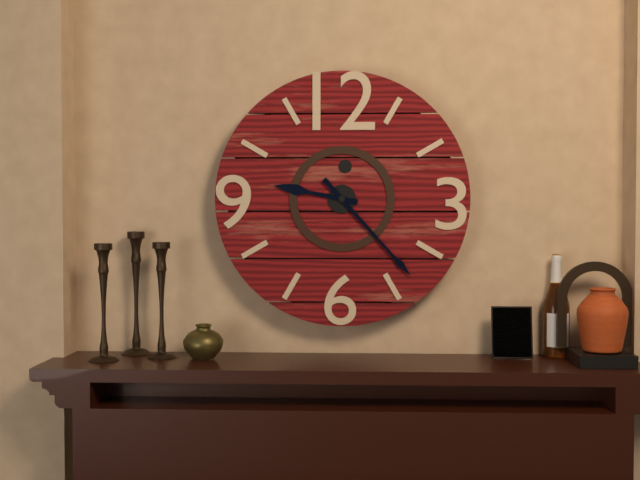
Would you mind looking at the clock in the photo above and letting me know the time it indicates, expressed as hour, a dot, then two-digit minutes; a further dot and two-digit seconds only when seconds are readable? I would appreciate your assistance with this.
9.23
